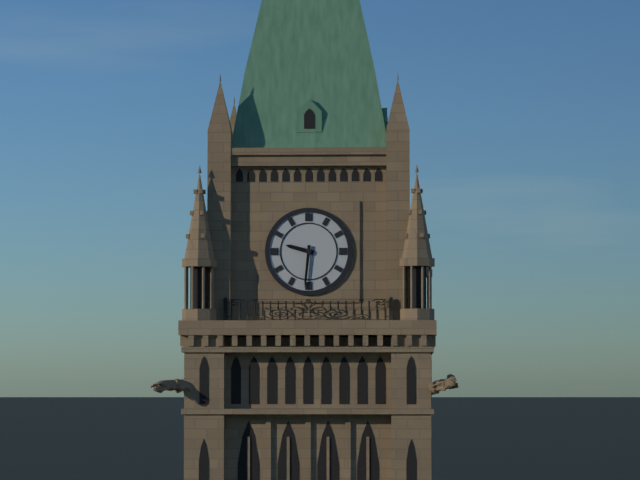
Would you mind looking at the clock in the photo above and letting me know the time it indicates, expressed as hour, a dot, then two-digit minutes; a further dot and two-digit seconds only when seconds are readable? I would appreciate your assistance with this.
9.31
